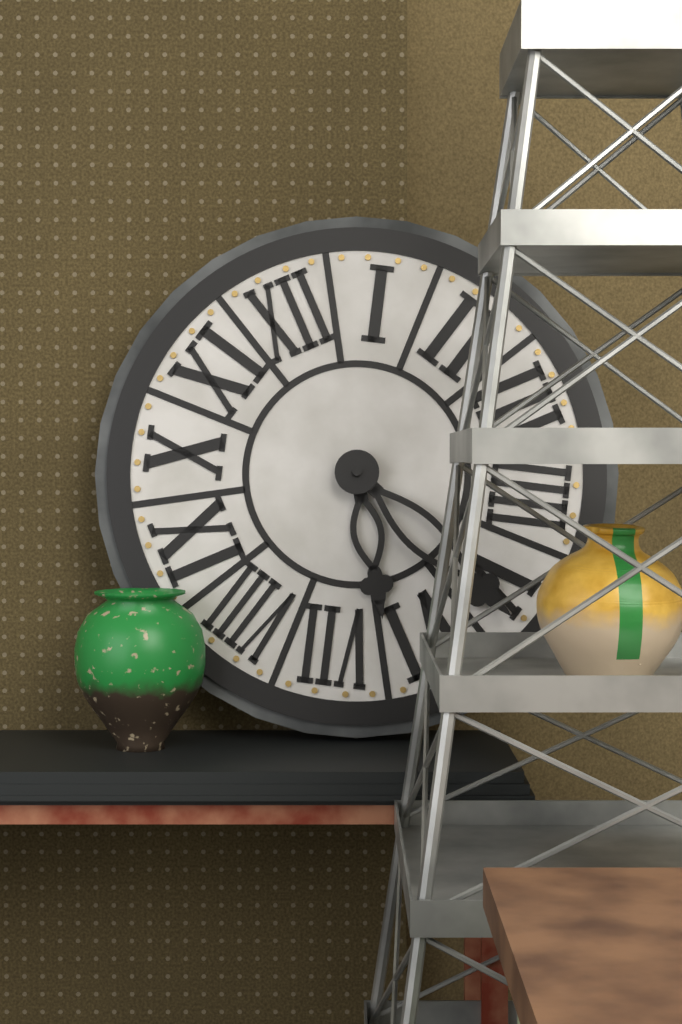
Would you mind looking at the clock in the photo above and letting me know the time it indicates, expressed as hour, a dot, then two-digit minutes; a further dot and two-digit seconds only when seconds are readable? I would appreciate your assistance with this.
6.26
